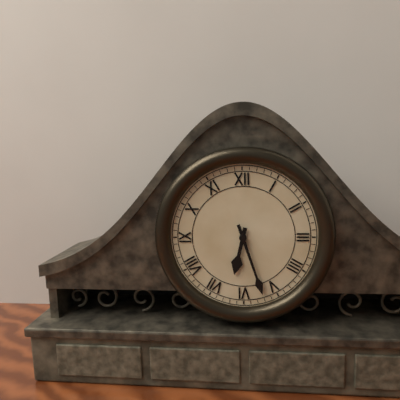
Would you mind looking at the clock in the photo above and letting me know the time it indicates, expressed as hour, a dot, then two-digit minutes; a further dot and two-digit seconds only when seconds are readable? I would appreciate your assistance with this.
6.27
